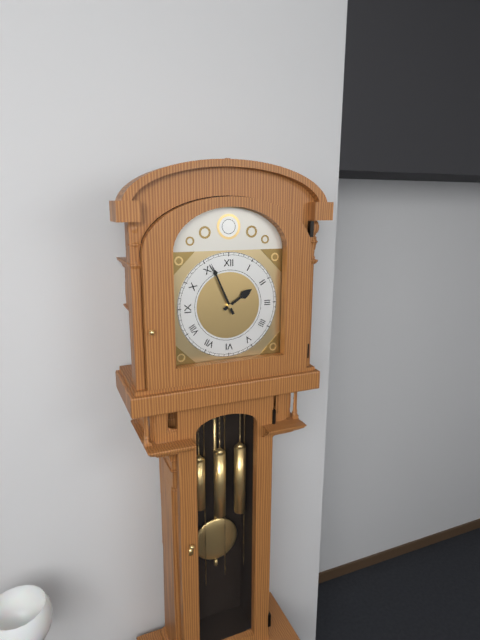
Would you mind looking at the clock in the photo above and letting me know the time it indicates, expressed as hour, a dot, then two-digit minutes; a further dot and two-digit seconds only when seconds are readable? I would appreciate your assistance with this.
1.56
